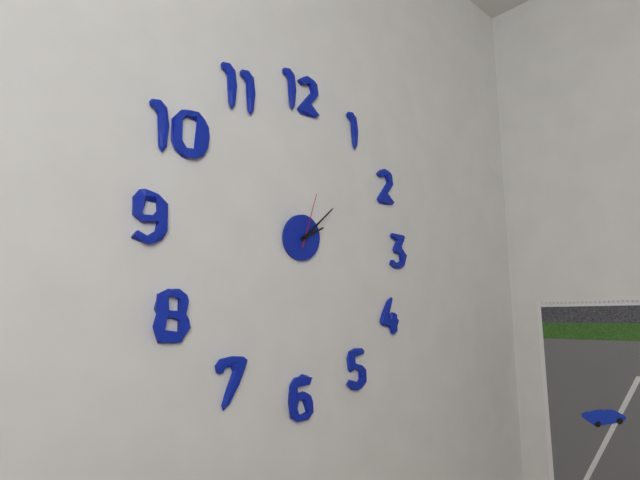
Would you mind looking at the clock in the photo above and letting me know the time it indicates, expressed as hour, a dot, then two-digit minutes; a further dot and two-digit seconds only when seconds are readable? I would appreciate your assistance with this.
2.08.03
